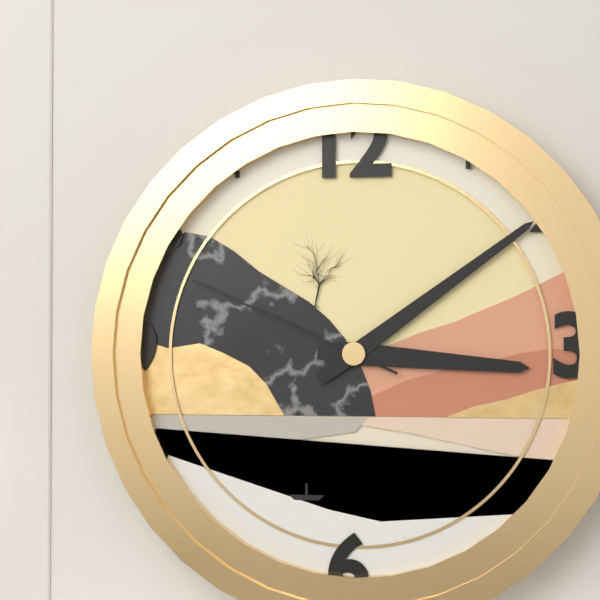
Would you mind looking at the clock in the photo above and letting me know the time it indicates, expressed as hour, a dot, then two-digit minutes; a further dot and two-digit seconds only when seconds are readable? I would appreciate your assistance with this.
3.09.49
